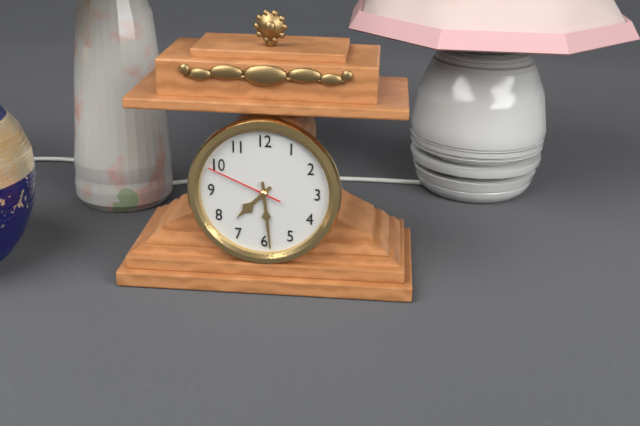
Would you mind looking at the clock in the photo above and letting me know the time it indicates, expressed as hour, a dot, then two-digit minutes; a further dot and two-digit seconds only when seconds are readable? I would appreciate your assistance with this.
7.29.49
